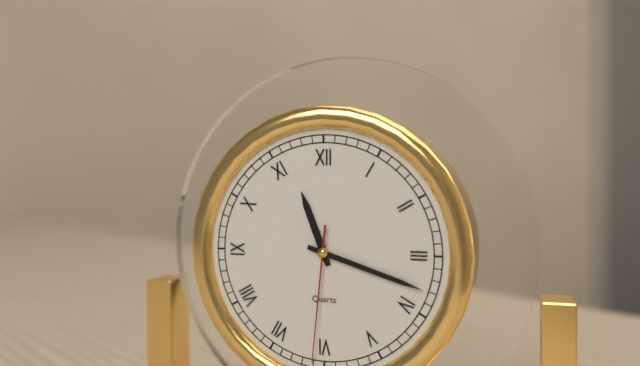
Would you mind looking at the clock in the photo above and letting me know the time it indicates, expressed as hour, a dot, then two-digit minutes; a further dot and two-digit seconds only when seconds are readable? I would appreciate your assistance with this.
11.18.31
